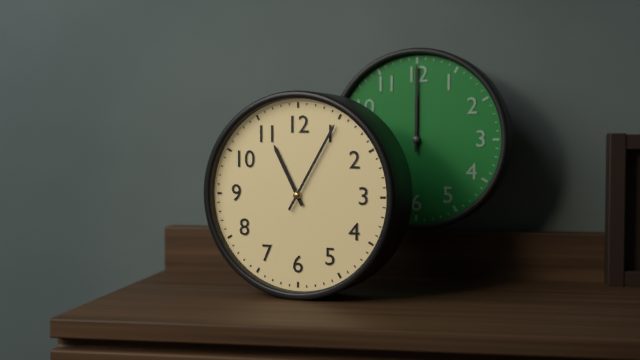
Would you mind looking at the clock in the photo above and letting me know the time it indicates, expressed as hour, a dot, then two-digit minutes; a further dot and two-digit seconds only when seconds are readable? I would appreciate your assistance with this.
11.05
